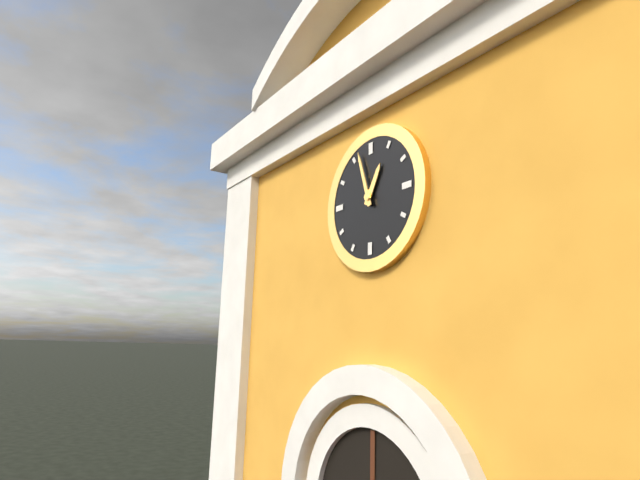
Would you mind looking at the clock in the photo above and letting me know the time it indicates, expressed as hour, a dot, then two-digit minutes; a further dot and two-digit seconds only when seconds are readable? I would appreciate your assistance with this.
12.57
